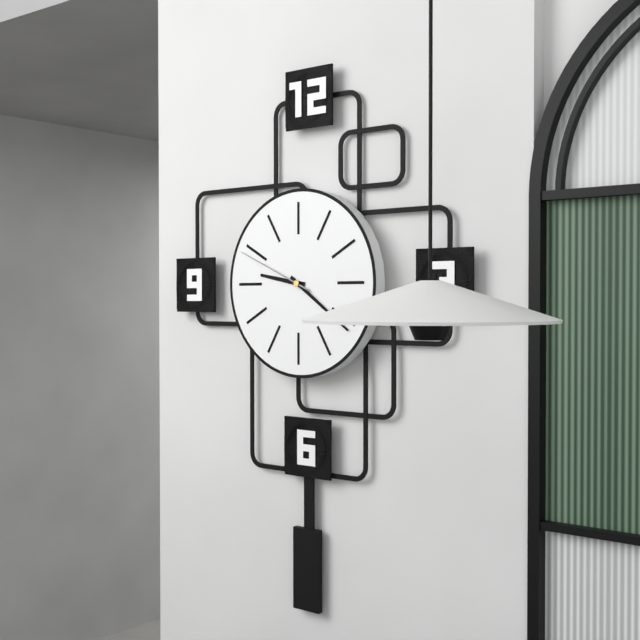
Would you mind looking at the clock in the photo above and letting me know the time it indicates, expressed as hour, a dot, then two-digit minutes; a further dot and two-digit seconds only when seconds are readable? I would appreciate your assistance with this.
9.21.49
